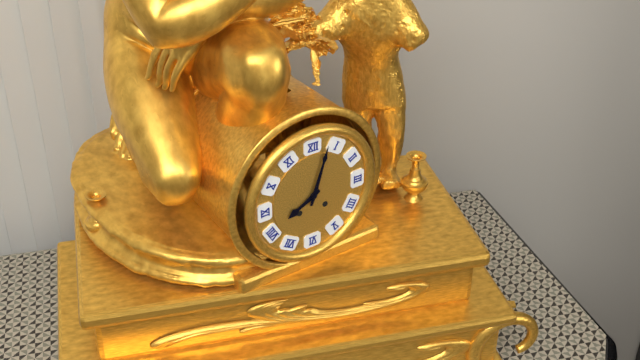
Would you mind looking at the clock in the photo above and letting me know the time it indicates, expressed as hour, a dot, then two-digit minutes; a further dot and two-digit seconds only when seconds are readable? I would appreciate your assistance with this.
8.03
